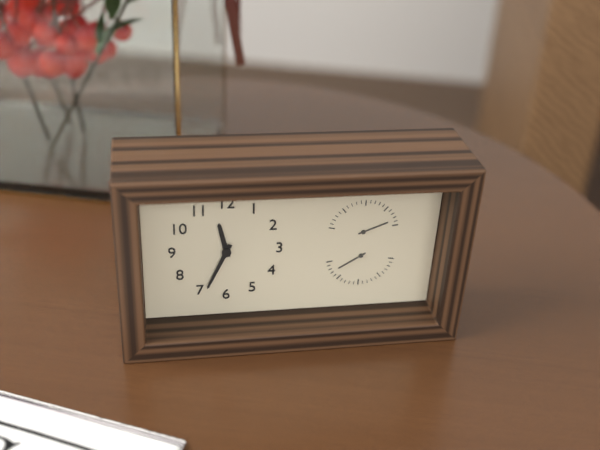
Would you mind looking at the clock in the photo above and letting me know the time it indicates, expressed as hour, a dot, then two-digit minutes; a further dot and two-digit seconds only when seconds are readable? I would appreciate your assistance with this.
11.34
